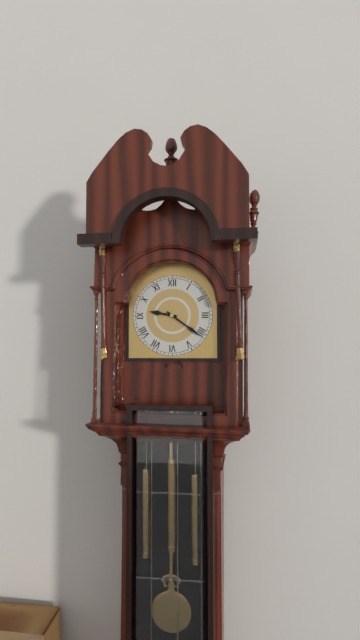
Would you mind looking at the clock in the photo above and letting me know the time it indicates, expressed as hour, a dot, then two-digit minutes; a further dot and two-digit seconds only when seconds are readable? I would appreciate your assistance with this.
9.21
